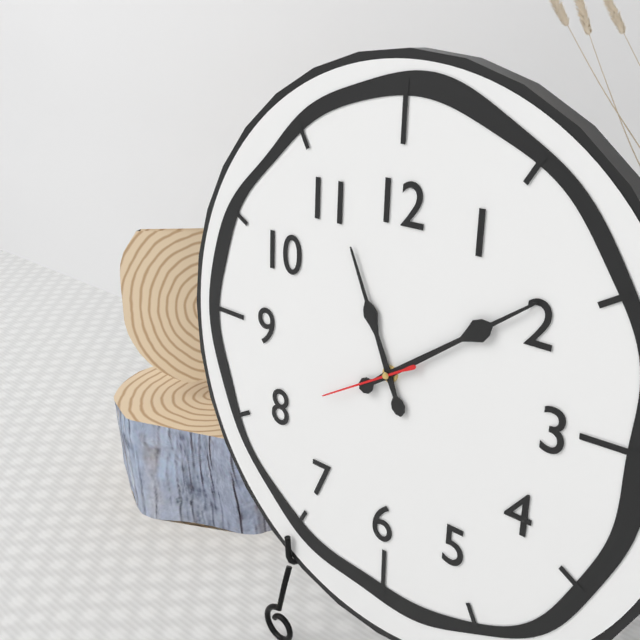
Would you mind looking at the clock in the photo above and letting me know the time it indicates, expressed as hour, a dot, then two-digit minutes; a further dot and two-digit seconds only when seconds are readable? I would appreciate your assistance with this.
11.09.40
